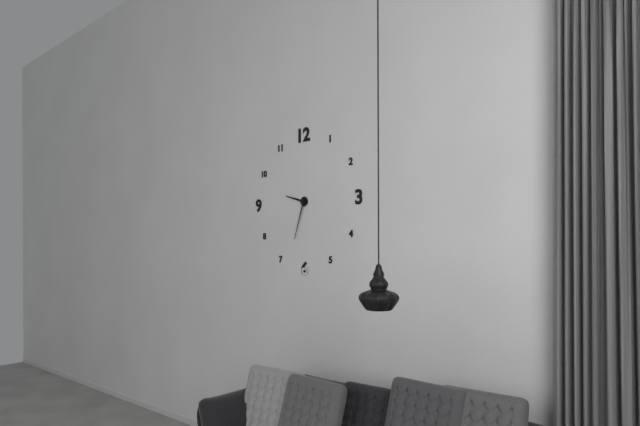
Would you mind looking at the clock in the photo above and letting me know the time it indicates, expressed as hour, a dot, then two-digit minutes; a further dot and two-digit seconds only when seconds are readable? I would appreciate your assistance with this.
9.33
